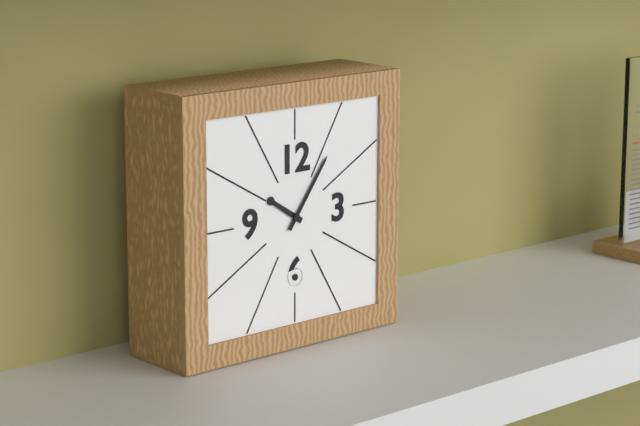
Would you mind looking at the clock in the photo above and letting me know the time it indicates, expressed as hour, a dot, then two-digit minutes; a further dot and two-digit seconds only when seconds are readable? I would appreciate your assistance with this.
10.06
